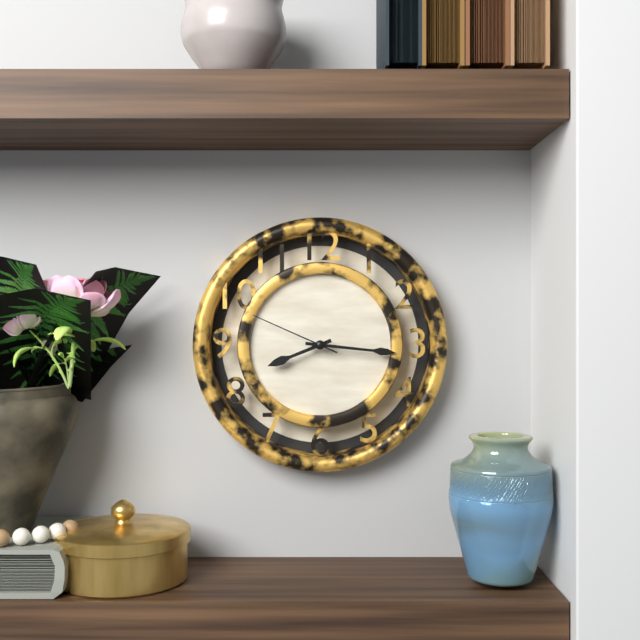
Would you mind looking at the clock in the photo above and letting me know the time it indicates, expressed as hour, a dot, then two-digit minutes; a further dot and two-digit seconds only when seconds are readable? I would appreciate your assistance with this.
8.16.49
